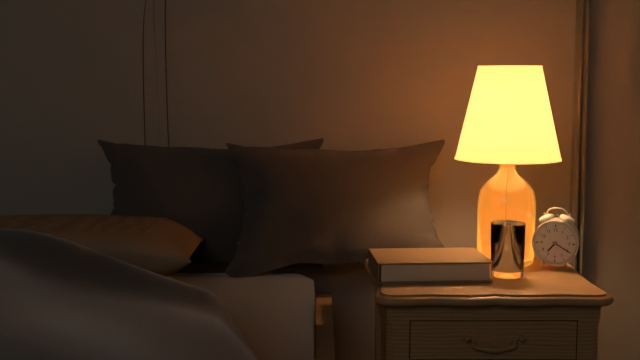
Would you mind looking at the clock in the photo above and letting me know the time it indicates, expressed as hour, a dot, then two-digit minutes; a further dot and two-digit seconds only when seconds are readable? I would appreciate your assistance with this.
7.20
